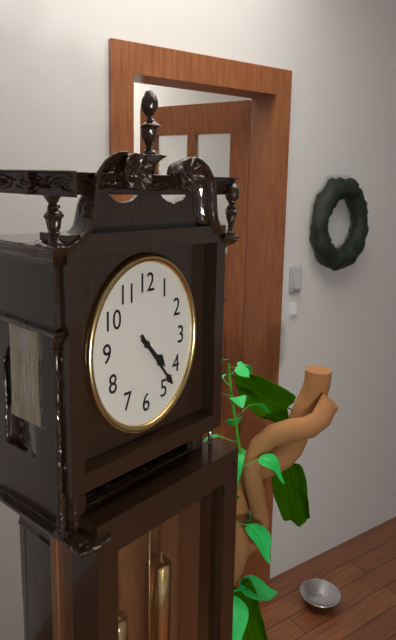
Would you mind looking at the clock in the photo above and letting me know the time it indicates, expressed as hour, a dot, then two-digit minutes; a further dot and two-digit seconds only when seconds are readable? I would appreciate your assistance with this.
4.23
